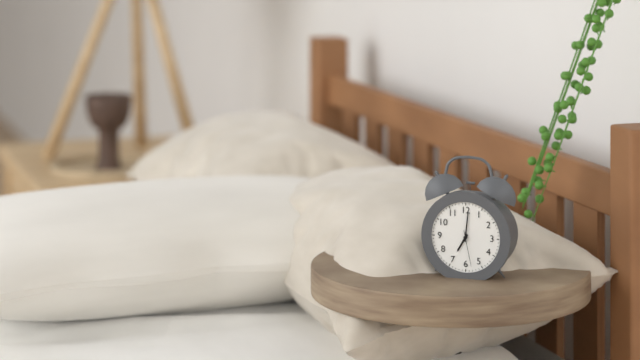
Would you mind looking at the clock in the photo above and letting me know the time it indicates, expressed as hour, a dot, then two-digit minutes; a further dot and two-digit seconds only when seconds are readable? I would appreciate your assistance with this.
7.01
